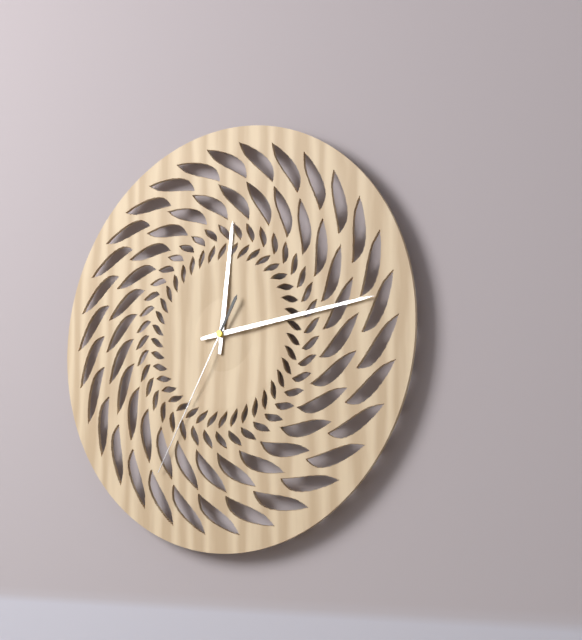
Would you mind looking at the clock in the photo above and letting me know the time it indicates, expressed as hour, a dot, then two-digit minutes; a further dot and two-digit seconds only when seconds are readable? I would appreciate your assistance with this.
12.14.35
